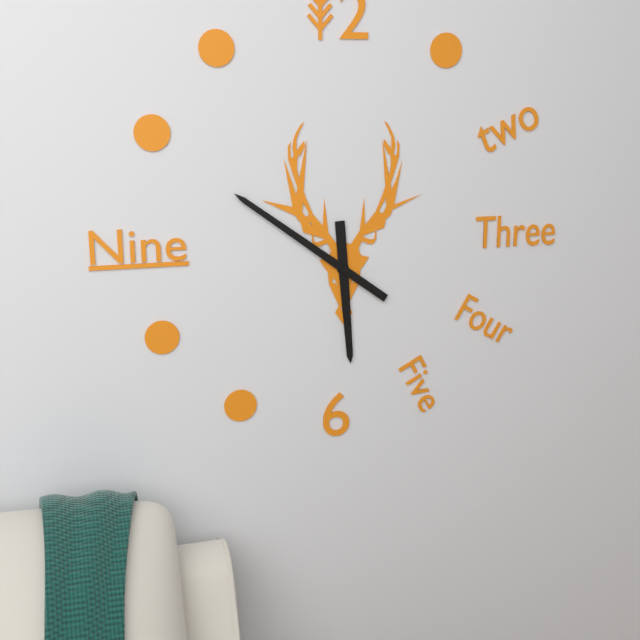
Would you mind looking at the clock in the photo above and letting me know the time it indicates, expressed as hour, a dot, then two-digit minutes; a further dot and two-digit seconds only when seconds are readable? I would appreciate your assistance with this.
5.51
